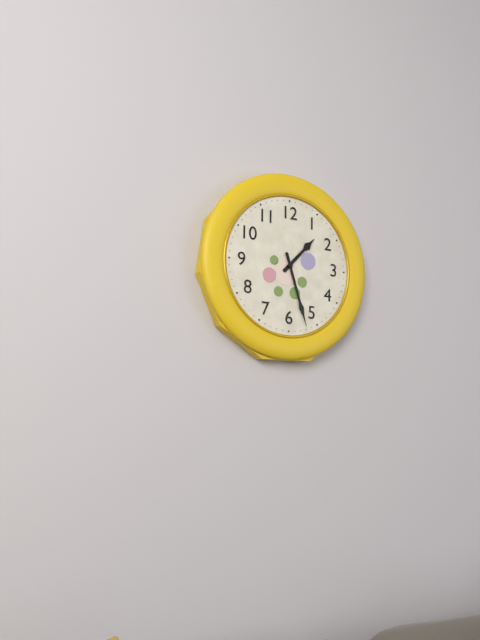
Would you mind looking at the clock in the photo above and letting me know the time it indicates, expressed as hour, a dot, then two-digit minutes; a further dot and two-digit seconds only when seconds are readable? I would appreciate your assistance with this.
1.27
